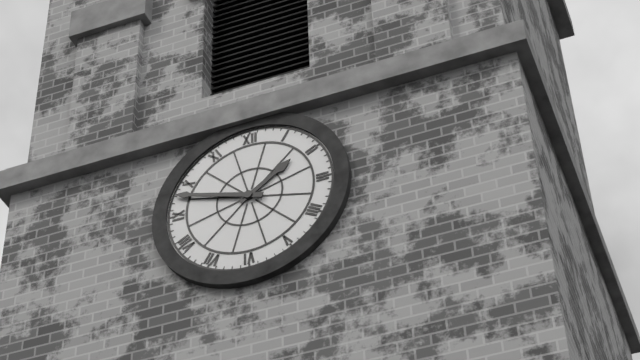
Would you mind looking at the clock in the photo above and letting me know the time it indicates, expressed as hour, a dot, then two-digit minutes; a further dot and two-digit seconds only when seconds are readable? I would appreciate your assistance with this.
1.48
